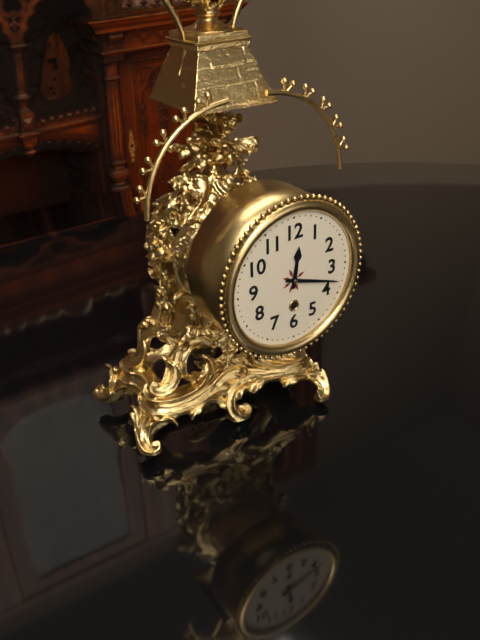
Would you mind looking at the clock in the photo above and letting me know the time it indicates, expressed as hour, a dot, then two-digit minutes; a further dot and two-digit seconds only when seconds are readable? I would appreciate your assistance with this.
12.18
